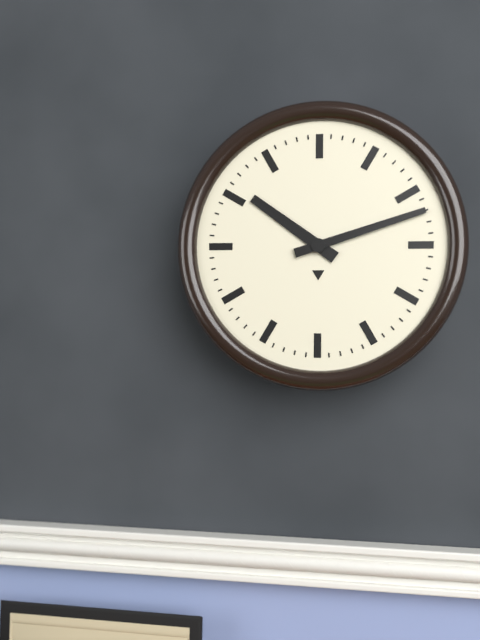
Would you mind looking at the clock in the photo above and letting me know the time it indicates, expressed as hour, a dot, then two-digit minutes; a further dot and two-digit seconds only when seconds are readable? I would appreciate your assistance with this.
10.12
